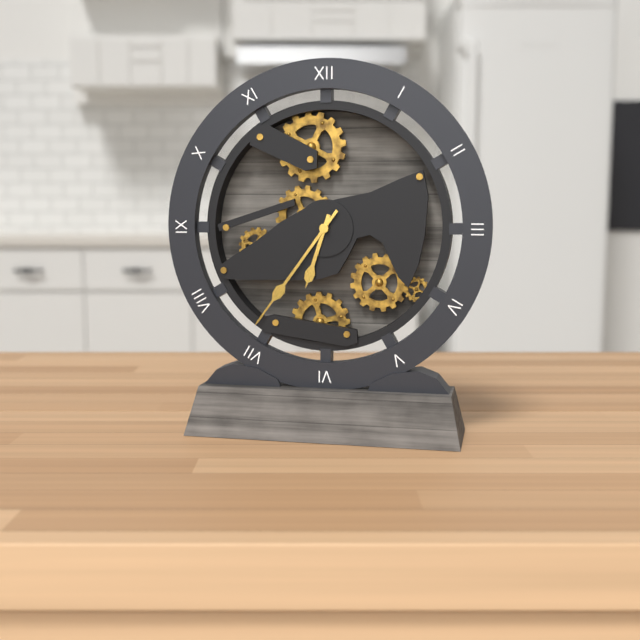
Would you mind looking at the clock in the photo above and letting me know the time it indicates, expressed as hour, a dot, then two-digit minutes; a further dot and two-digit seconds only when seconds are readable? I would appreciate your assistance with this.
6.36
